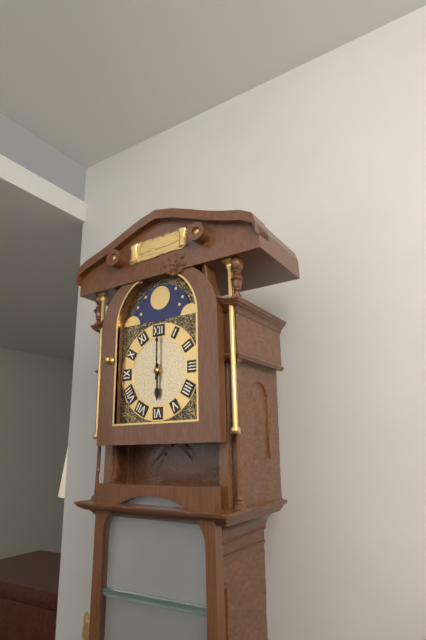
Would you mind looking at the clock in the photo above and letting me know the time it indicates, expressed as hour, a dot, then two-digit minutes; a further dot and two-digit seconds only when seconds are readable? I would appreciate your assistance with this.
6.00
